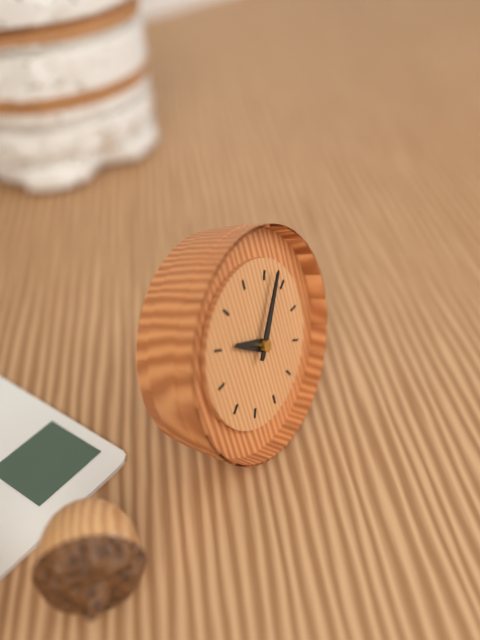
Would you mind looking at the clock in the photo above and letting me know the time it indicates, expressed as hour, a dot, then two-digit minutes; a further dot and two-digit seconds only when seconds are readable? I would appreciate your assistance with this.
10.07
